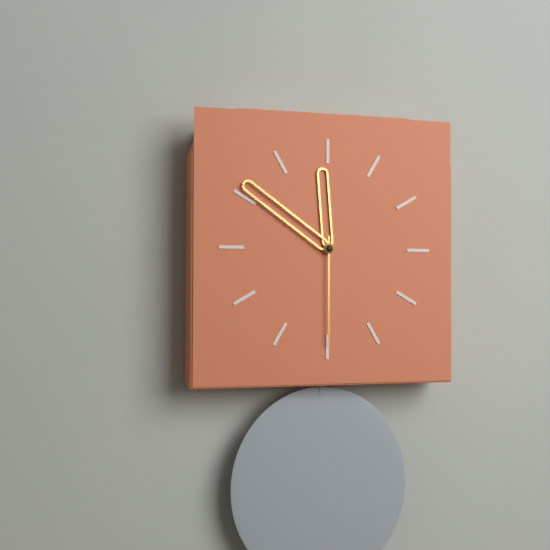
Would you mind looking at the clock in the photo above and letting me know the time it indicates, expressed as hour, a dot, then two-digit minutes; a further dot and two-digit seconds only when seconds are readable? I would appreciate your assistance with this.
11.51.30
